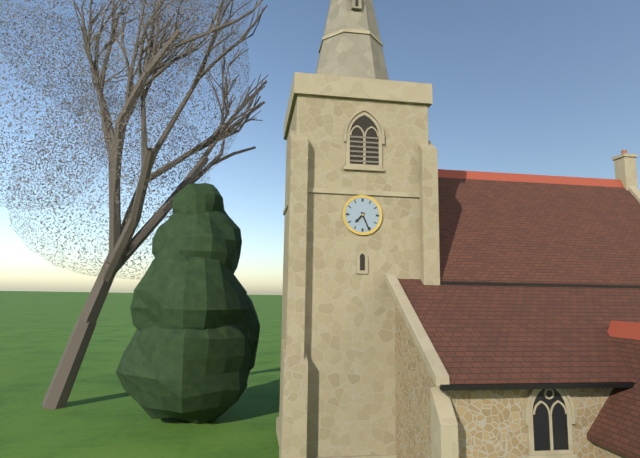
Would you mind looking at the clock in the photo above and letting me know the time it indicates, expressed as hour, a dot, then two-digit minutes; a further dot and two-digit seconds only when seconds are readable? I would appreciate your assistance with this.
7.26
